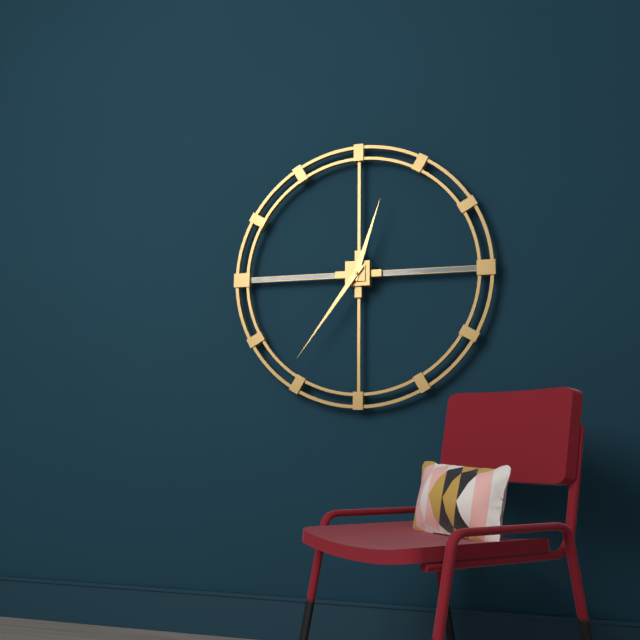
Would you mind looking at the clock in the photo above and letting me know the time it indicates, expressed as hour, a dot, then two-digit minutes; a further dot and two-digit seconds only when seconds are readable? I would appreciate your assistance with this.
12.36
